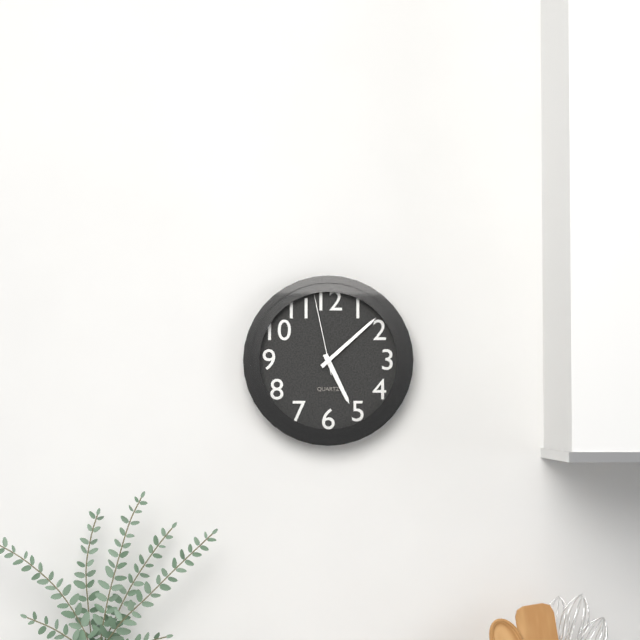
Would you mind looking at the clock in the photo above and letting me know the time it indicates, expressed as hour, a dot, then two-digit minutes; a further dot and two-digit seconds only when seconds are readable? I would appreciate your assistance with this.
5.08.58
